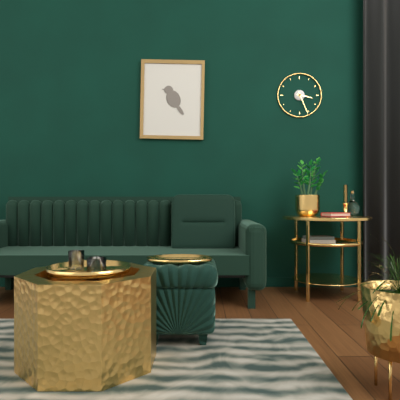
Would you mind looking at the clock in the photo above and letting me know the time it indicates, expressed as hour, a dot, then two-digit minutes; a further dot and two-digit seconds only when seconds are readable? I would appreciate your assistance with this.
3.26
